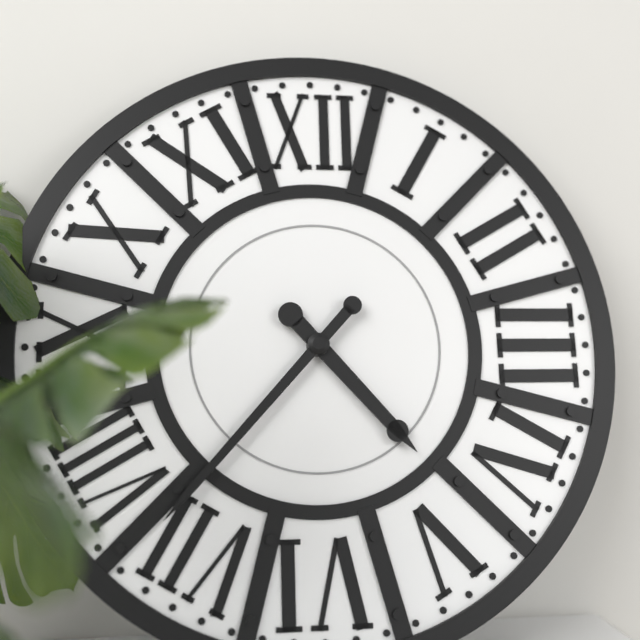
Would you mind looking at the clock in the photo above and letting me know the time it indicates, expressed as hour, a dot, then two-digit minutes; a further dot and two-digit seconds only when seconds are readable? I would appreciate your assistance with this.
4.37
